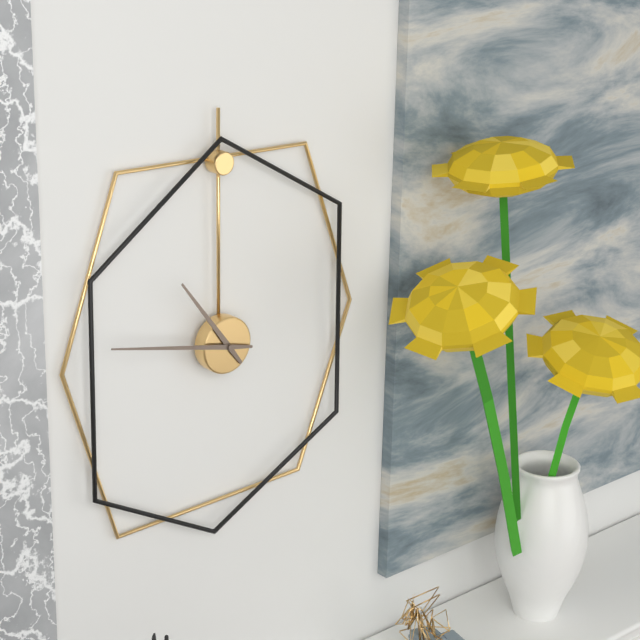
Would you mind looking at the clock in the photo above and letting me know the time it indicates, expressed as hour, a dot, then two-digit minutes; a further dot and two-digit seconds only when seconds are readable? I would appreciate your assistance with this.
10.47
